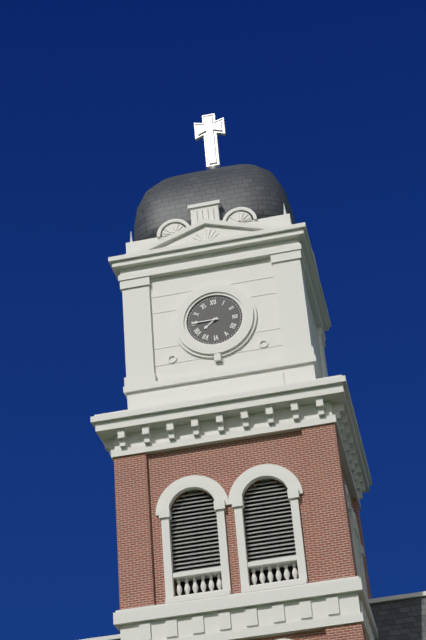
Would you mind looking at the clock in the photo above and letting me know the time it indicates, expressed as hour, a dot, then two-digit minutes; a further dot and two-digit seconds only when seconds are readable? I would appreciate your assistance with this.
7.45
